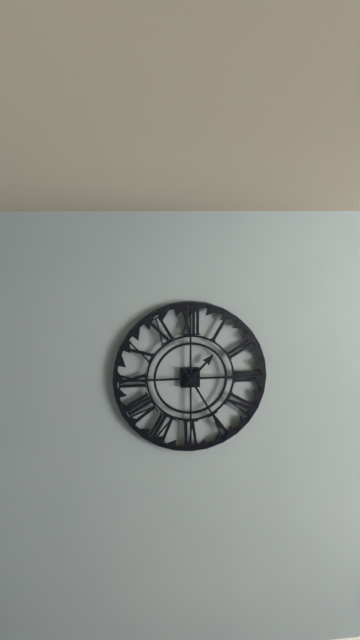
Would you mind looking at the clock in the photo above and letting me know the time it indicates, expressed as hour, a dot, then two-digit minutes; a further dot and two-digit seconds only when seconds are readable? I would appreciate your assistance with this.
1.25
